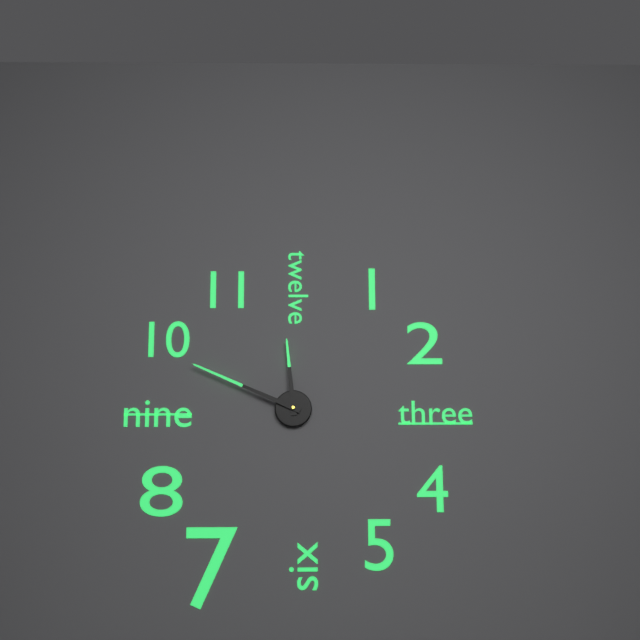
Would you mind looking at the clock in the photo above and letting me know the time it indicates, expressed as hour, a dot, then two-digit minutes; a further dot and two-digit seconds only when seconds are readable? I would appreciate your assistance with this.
11.49
